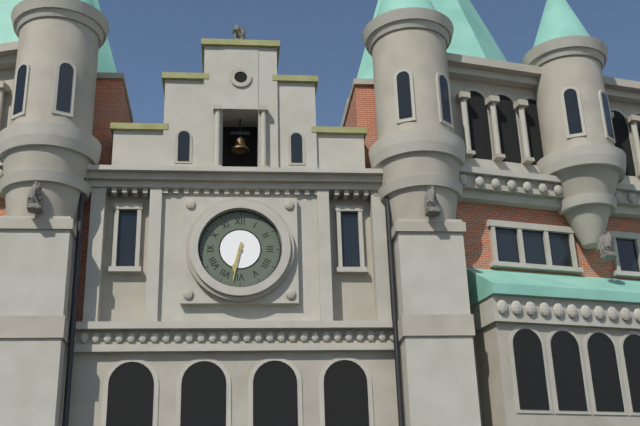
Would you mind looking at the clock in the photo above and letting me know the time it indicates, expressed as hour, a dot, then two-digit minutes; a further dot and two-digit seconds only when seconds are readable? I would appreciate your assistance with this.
6.32
